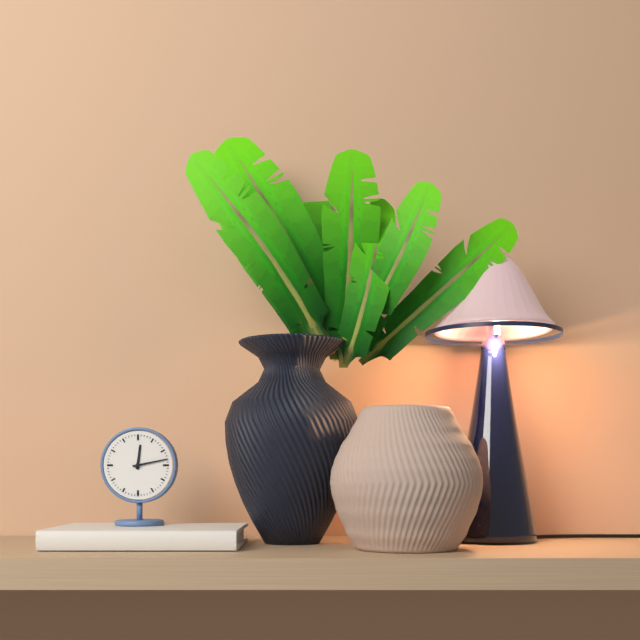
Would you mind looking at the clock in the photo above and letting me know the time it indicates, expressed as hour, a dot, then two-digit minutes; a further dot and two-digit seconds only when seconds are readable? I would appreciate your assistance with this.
12.13
